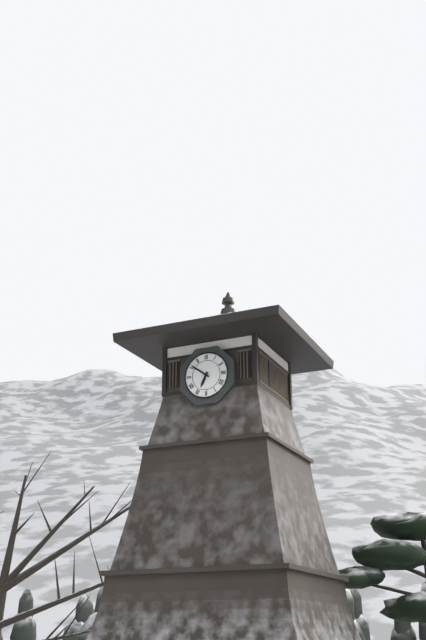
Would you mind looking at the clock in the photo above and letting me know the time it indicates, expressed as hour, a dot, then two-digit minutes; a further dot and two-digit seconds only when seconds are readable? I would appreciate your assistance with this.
6.51
